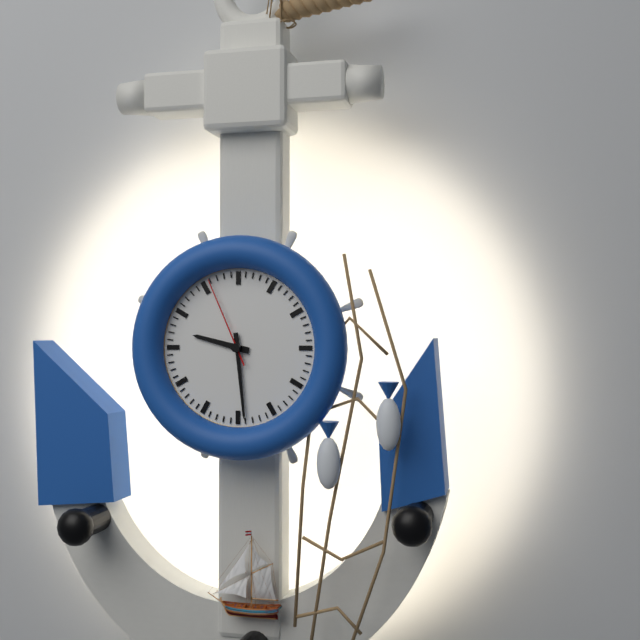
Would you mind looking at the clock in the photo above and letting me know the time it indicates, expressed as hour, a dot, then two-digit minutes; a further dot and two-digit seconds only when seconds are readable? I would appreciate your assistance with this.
9.29.56
